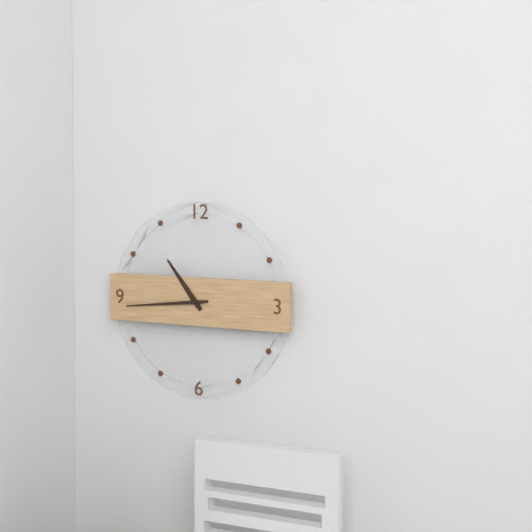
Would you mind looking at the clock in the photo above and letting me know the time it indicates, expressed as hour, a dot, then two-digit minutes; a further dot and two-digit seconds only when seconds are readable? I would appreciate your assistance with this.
10.44
